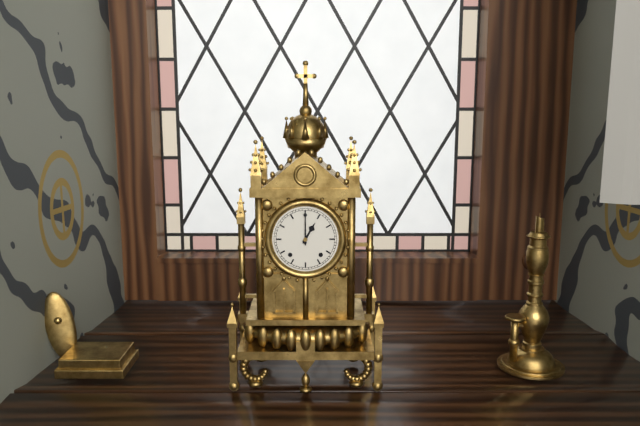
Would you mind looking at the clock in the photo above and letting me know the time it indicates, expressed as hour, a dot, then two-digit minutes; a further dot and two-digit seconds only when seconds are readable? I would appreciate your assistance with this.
1.00
